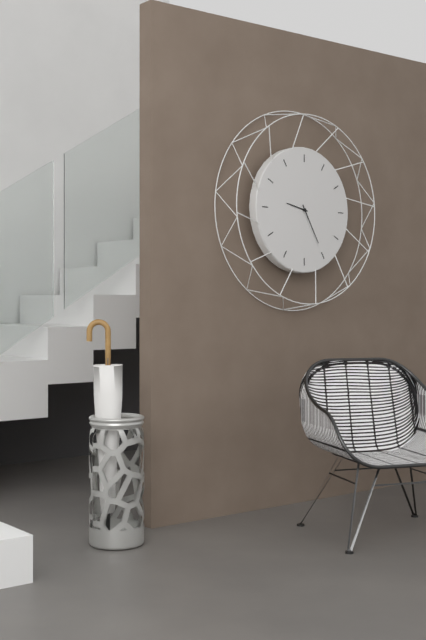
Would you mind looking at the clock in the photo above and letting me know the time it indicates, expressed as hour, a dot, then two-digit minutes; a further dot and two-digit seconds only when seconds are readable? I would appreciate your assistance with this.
9.25
